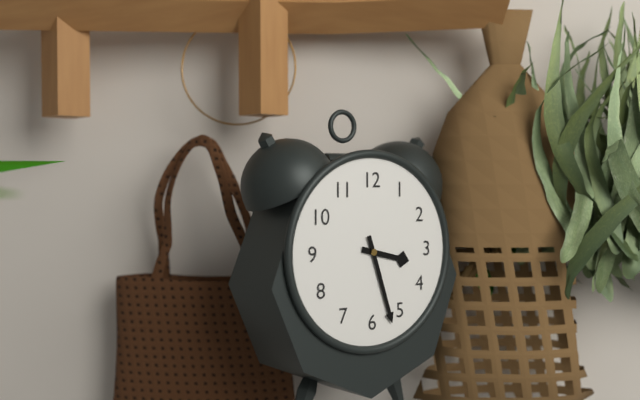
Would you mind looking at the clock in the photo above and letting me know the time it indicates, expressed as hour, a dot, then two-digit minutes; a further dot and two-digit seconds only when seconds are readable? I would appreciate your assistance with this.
3.27
